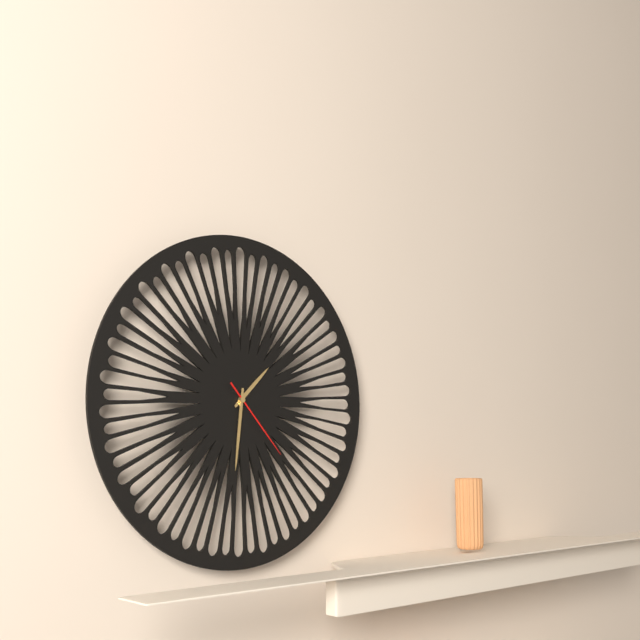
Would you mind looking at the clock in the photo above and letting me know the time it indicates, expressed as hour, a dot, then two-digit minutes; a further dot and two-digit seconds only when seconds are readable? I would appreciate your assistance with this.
1.31.23
